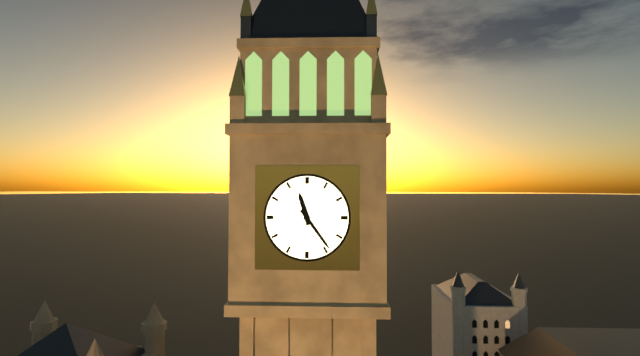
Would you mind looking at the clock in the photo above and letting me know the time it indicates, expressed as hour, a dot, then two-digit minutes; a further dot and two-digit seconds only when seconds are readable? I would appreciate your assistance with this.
11.24
